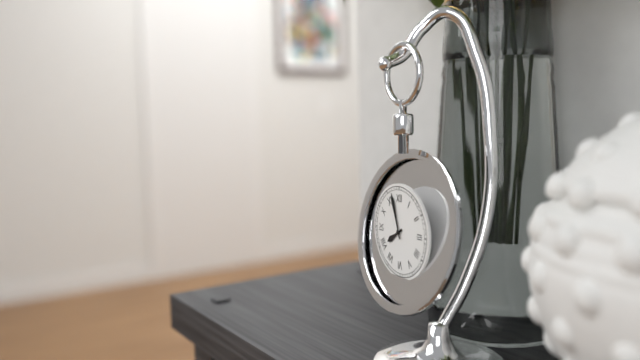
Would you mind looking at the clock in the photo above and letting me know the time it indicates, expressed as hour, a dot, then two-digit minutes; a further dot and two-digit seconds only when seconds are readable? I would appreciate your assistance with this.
7.57
